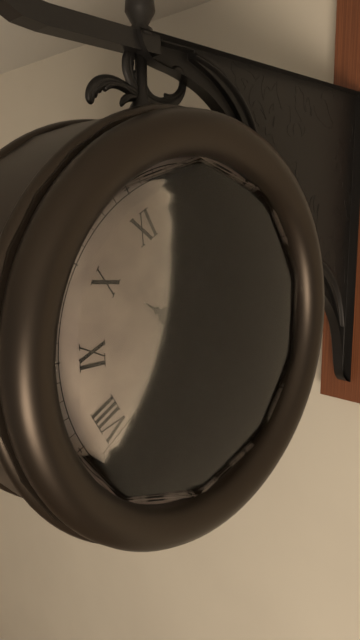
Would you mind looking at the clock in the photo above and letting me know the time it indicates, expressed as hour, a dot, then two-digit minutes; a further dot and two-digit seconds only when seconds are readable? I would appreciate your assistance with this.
10.02.39
